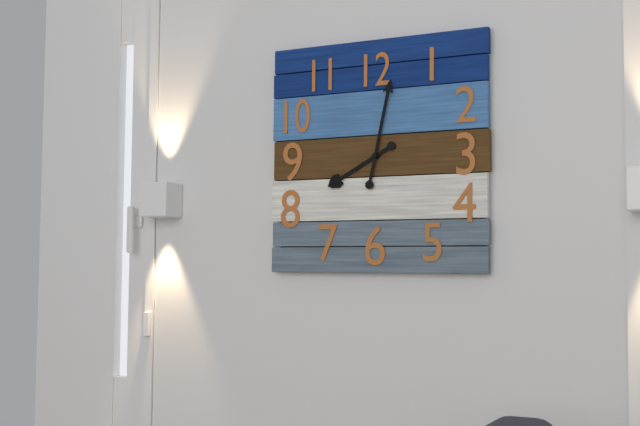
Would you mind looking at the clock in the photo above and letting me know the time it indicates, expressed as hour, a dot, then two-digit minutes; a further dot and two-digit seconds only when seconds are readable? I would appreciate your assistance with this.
8.02
